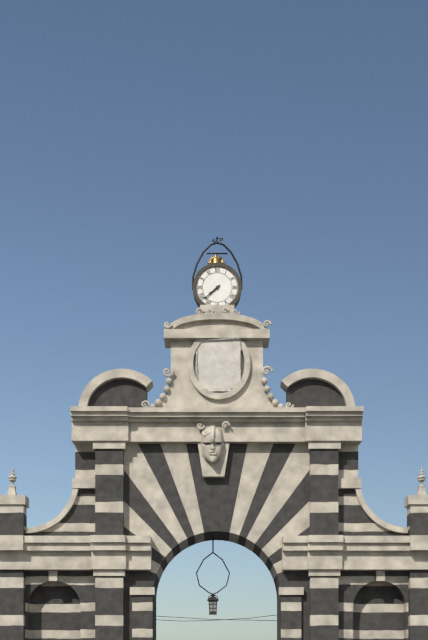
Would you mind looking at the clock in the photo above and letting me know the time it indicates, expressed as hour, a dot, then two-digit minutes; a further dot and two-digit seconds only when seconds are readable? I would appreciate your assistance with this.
7.38
